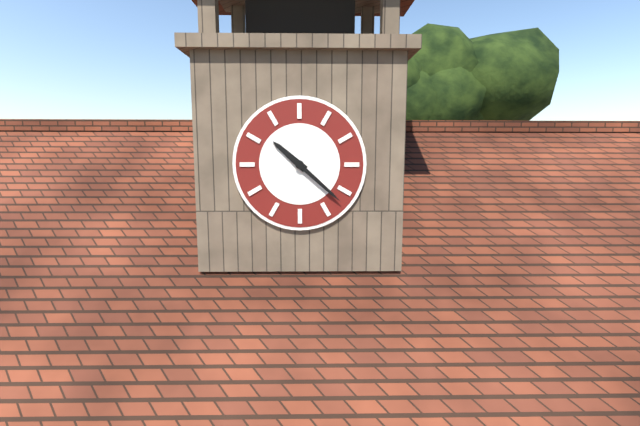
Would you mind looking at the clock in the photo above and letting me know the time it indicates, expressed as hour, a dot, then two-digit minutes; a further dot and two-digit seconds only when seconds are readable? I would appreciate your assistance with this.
10.22
